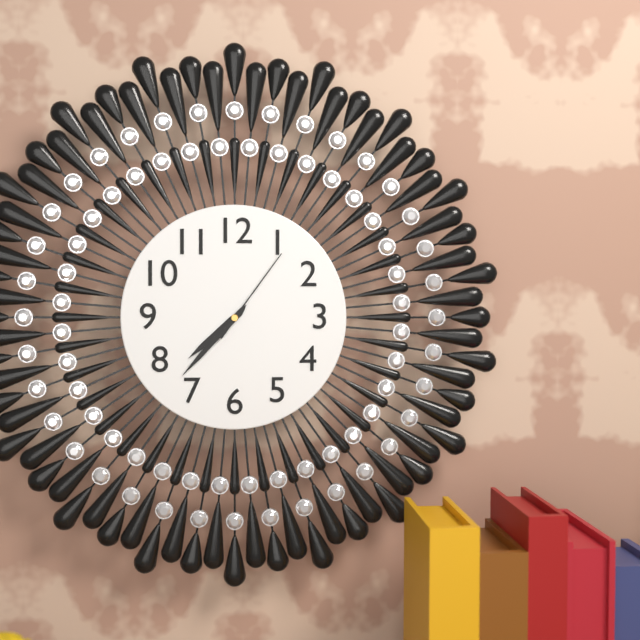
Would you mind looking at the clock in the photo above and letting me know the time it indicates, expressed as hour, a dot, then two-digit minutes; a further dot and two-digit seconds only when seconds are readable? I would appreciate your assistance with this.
7.37.06
